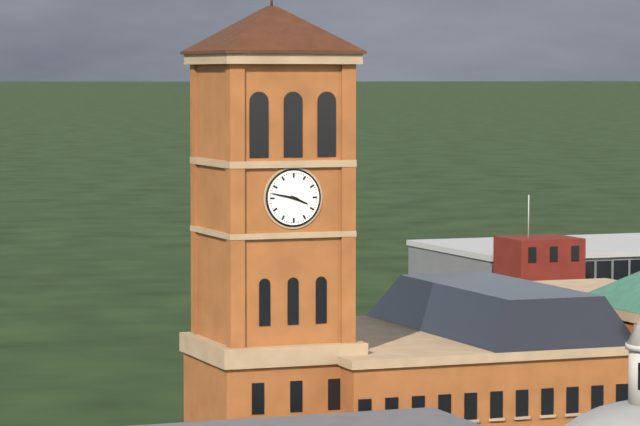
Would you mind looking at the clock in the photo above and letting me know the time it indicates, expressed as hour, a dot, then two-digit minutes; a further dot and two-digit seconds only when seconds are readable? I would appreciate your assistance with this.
3.47
